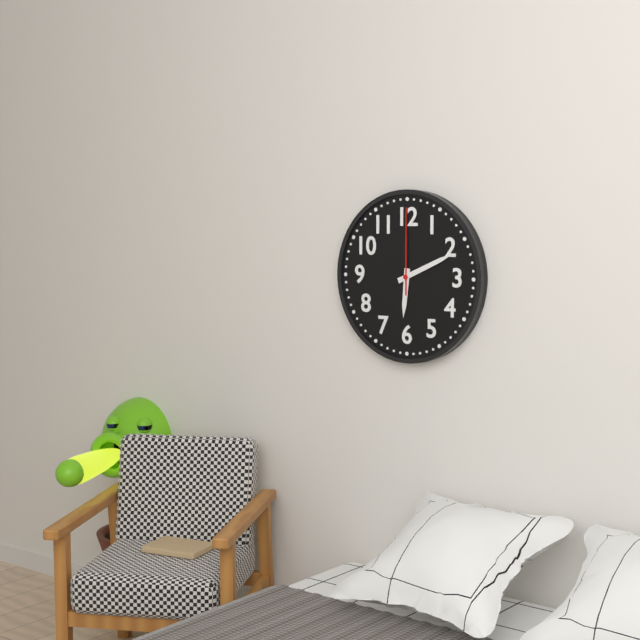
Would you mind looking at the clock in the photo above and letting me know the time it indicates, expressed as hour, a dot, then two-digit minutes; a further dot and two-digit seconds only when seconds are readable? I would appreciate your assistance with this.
6.11.00
